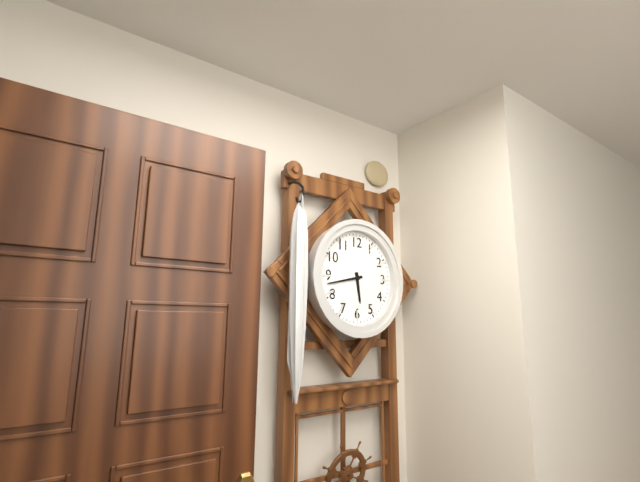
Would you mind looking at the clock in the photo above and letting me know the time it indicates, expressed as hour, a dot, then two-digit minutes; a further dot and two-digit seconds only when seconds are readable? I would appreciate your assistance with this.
5.43
